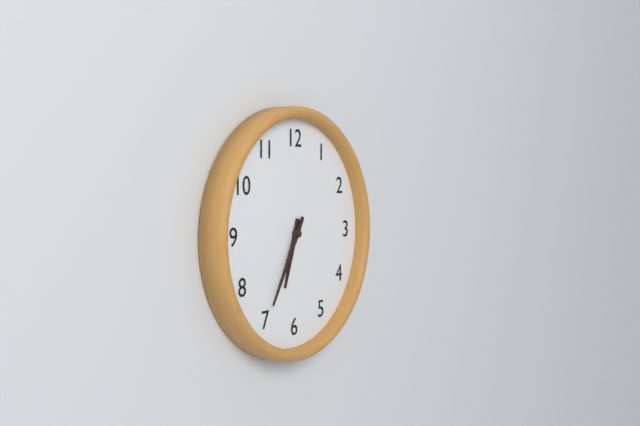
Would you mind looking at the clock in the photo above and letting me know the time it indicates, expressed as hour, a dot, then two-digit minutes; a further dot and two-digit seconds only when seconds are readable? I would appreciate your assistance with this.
6.35
